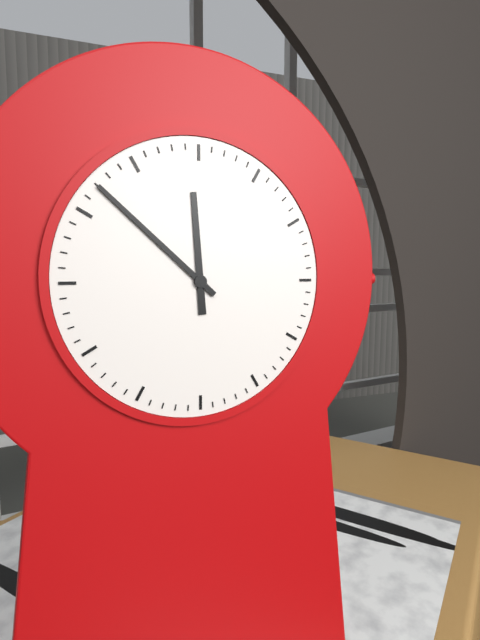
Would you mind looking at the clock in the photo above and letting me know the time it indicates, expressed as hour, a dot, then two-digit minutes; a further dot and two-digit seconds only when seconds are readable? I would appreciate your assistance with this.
11.52
